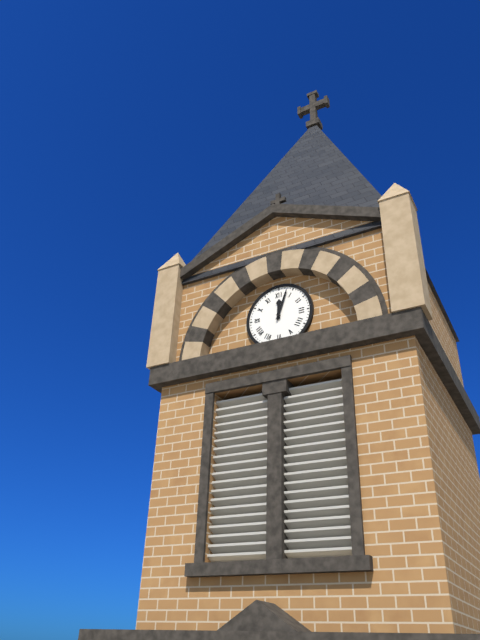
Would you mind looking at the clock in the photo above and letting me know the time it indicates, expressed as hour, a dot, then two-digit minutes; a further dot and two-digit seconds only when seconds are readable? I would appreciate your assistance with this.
12.03
